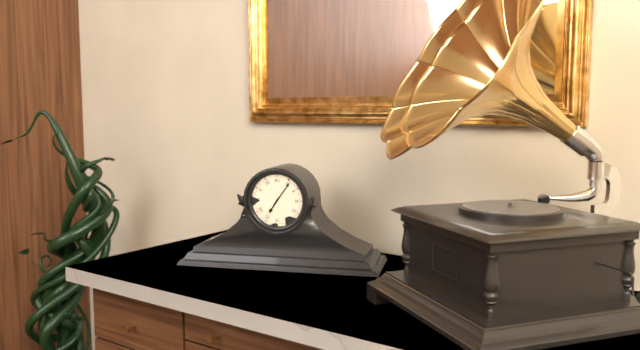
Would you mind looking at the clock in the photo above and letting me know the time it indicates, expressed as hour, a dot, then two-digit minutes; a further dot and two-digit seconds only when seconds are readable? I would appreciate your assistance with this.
7.06
